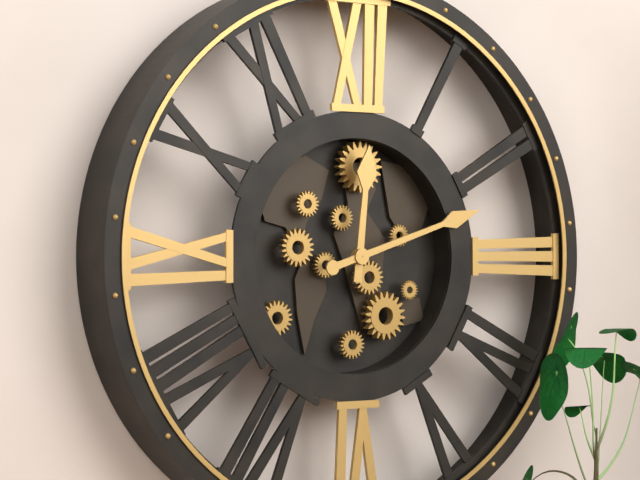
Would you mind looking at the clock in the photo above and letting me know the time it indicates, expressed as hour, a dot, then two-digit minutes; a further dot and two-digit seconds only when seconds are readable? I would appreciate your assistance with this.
12.12
